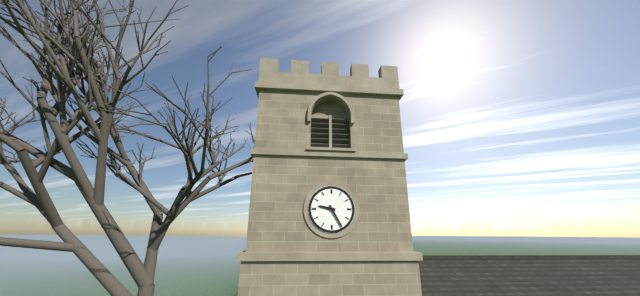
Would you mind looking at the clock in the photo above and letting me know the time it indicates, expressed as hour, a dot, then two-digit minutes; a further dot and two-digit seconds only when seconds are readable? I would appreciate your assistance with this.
9.25
